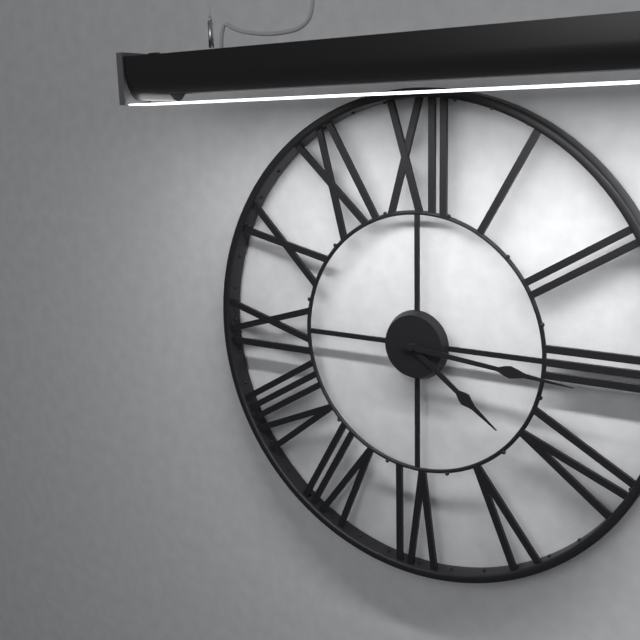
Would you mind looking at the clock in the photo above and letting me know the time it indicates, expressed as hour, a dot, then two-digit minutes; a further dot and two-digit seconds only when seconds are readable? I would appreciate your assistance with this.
4.16
